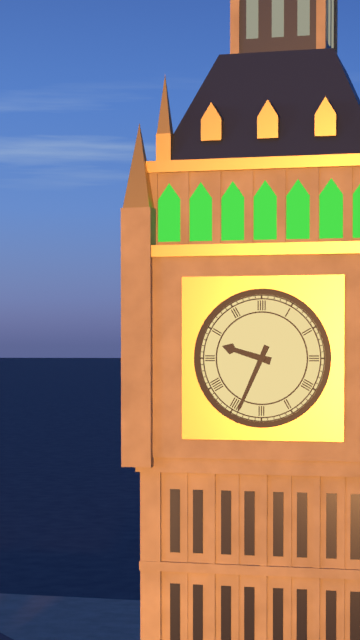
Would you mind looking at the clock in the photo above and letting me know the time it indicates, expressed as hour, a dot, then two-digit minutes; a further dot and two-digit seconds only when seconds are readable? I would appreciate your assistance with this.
9.34
